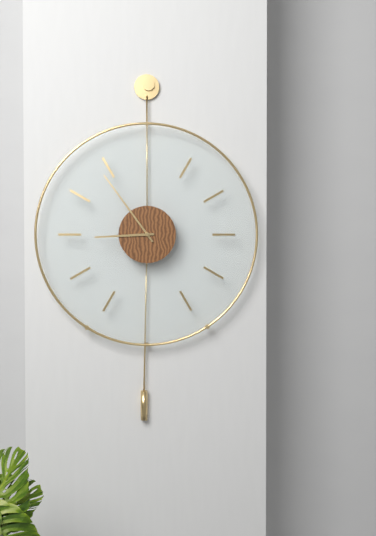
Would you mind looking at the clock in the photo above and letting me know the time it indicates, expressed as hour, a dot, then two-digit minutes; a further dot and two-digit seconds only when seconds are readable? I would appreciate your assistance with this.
8.54
